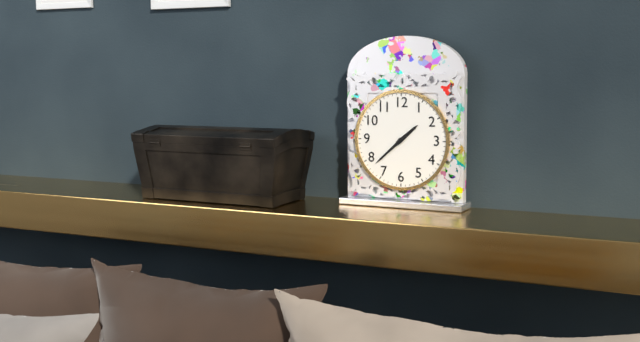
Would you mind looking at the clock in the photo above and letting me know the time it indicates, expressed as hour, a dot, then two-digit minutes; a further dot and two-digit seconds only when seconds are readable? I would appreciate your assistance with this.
1.38
